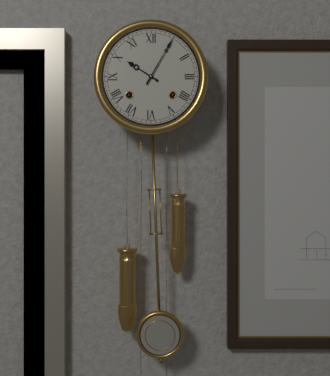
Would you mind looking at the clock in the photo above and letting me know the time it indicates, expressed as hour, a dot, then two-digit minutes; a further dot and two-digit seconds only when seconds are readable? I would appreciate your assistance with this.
10.05
